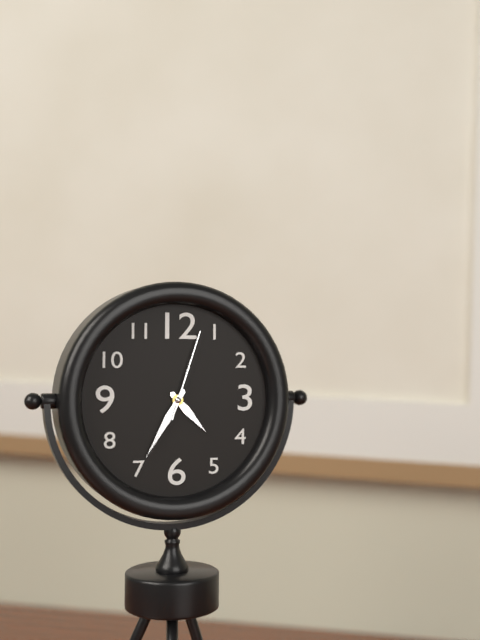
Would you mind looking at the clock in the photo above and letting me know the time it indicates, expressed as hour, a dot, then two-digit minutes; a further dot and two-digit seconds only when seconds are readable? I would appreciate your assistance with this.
4.35.03
